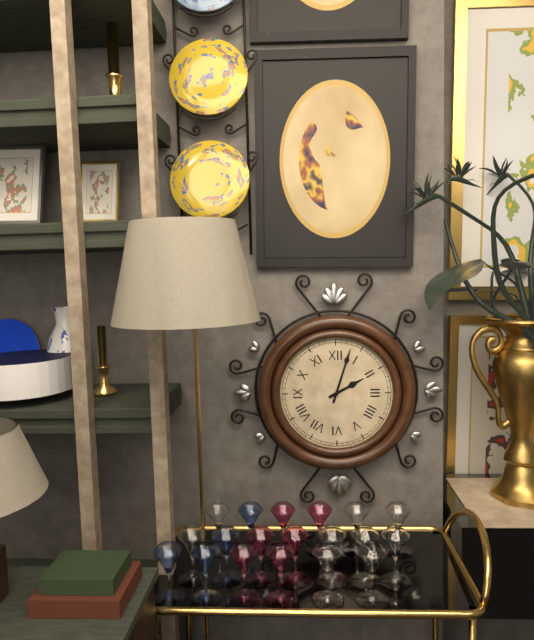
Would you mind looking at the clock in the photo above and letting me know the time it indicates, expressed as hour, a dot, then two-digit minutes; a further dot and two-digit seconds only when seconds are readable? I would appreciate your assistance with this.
2.03
